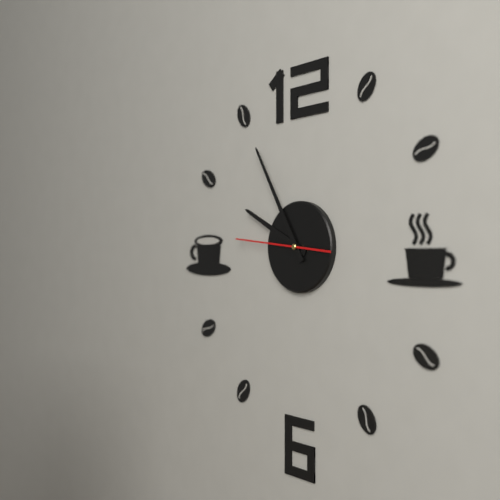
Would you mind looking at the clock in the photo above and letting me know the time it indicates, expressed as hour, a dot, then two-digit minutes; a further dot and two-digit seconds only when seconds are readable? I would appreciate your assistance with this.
9.55.46
